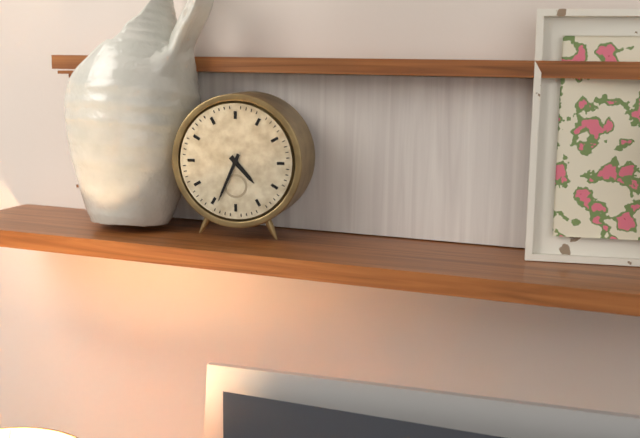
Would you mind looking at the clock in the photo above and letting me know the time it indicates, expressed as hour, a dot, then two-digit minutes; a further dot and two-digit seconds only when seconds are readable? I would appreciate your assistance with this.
4.34
